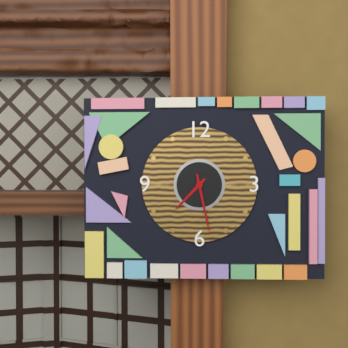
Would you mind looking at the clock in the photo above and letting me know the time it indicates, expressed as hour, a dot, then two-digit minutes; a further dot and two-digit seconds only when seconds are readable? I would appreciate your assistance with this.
7.28
